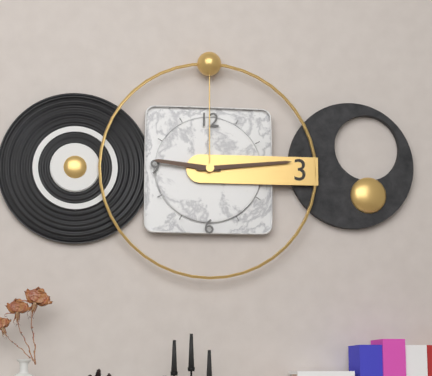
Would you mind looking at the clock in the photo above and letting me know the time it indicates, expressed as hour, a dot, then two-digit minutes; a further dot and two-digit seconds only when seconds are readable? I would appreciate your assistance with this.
9.14
